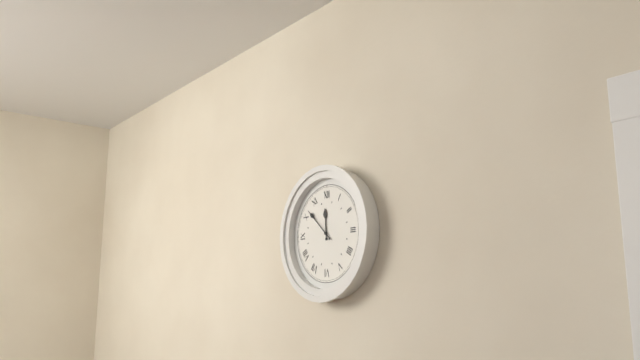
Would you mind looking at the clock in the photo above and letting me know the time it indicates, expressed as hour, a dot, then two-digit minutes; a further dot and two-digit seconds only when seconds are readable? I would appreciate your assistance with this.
11.52
